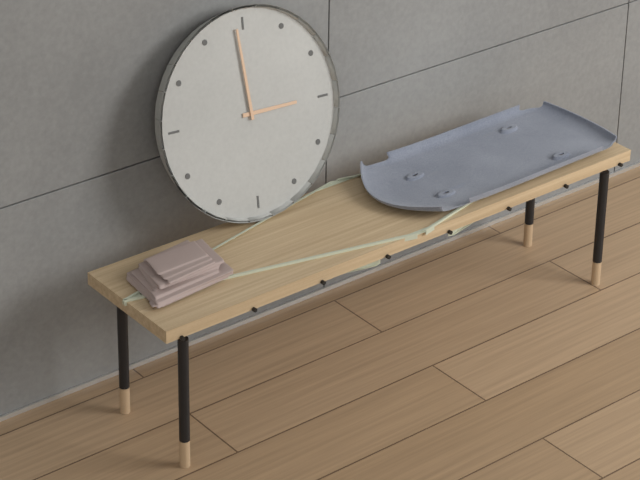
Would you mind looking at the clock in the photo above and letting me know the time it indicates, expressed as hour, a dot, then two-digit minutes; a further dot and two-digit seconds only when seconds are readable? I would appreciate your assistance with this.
2.59
